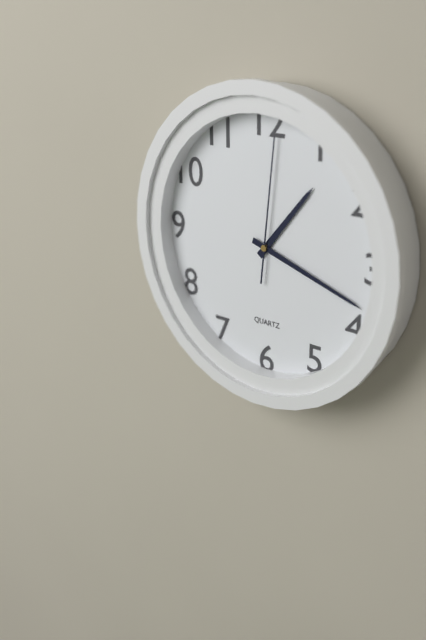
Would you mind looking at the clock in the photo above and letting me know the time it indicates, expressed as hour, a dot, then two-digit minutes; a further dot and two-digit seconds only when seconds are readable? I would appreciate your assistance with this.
1.18.01
